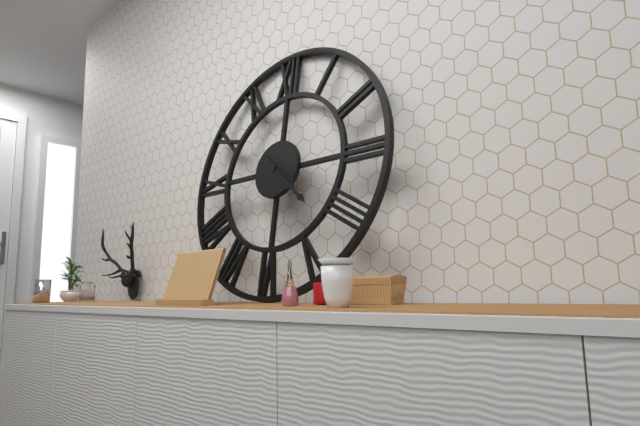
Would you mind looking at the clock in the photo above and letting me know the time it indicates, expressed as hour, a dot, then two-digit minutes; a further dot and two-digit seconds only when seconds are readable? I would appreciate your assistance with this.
4.22
